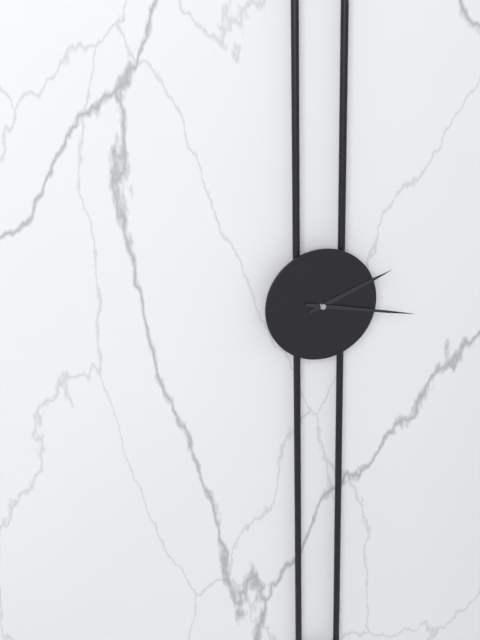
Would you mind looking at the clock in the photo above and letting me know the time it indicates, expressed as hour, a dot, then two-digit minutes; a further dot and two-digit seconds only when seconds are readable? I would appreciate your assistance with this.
2.17
